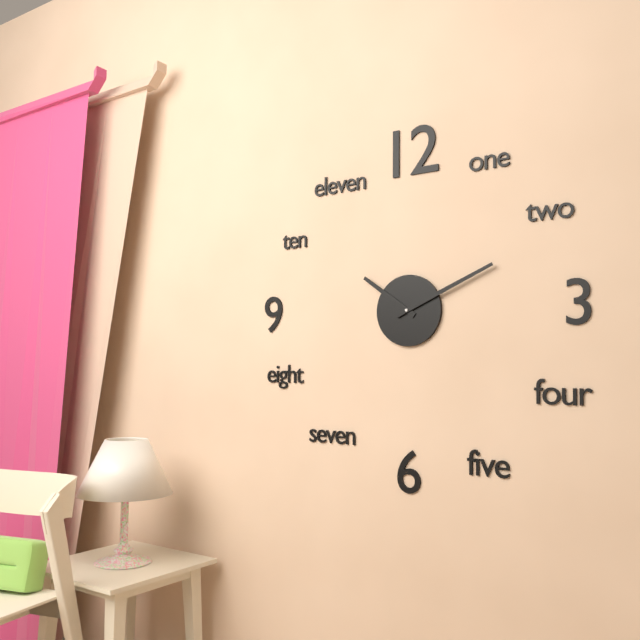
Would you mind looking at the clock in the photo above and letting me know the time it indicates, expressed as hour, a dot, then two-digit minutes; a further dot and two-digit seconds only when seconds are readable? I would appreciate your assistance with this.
10.11
